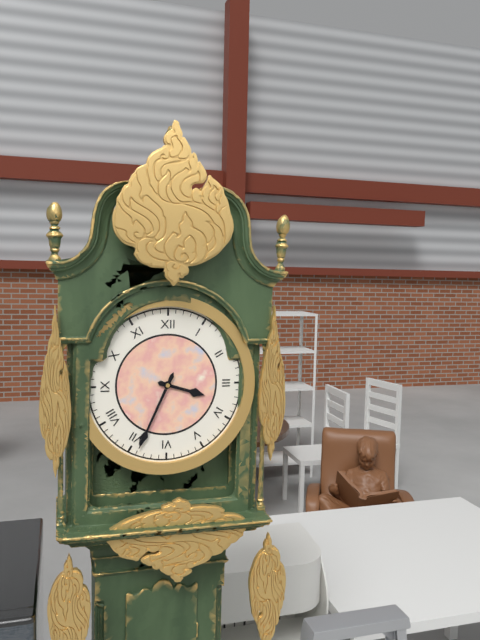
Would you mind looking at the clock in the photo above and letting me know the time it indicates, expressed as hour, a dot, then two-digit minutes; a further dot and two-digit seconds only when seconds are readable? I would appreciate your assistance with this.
3.34
